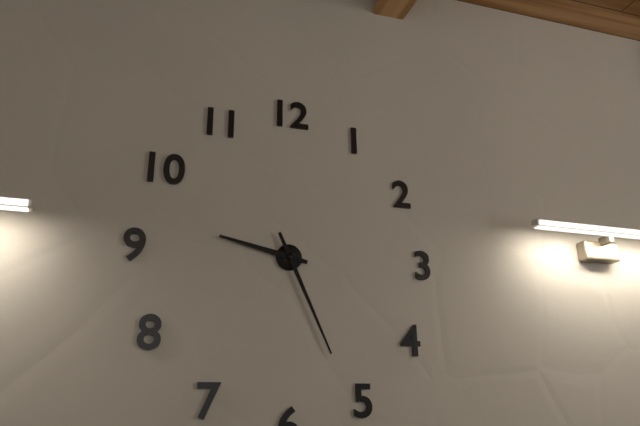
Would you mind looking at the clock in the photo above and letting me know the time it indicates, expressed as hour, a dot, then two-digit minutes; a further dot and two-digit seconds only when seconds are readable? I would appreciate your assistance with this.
9.26
